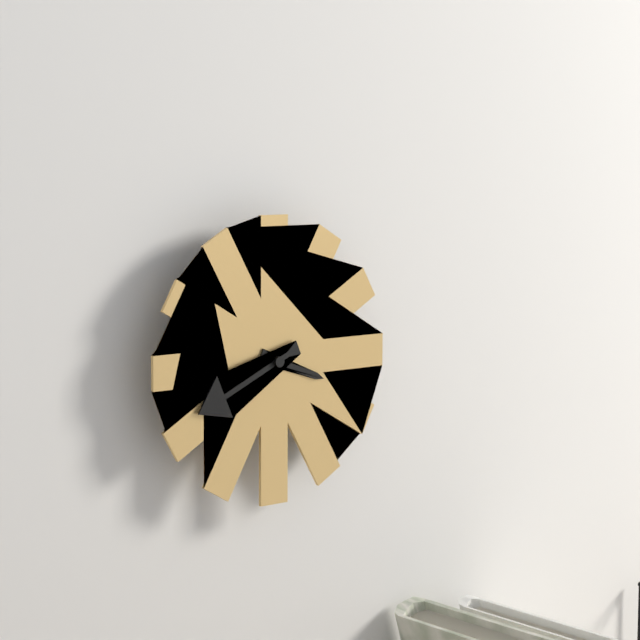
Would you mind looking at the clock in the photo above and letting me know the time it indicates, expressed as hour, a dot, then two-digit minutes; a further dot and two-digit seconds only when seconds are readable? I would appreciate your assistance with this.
3.41
